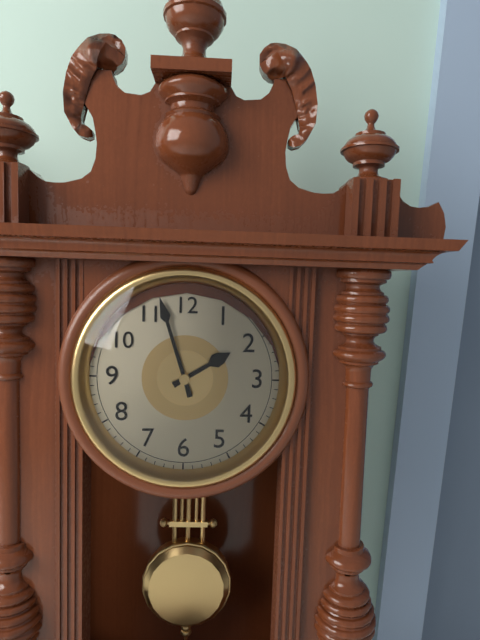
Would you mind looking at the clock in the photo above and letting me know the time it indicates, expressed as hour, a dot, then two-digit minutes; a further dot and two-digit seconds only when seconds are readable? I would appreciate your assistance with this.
1.57
